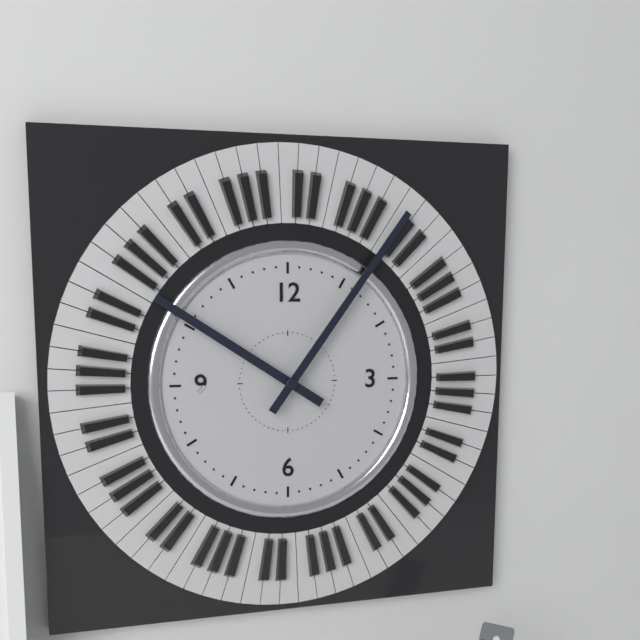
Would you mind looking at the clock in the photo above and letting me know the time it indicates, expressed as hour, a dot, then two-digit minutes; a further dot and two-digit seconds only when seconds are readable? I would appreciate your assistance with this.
10.06
